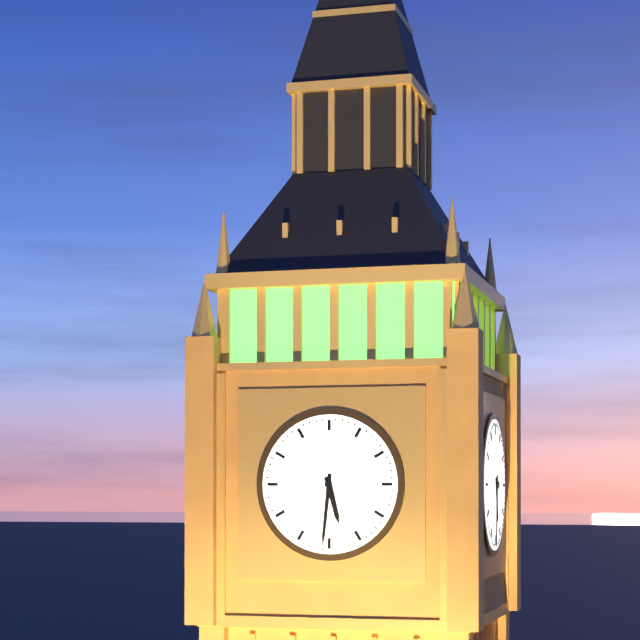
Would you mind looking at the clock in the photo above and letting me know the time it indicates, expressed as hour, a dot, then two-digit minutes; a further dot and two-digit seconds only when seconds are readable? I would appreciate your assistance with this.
5.31
